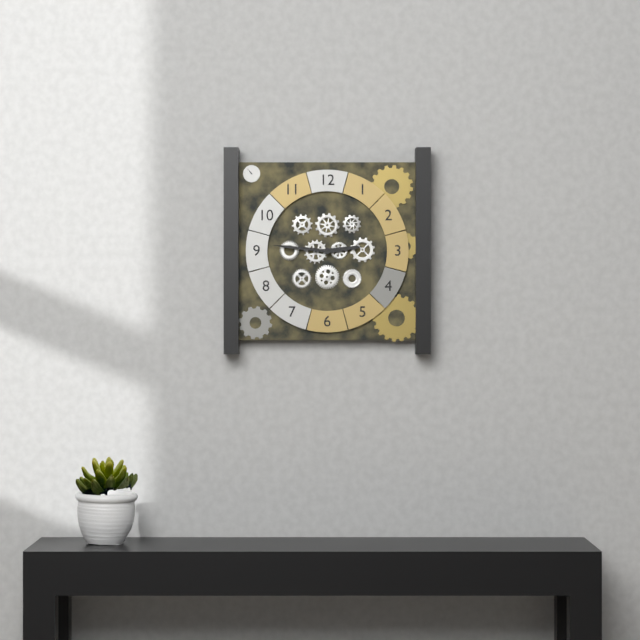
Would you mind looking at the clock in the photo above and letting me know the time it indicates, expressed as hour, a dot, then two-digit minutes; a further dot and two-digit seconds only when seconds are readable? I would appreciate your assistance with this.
2.46
